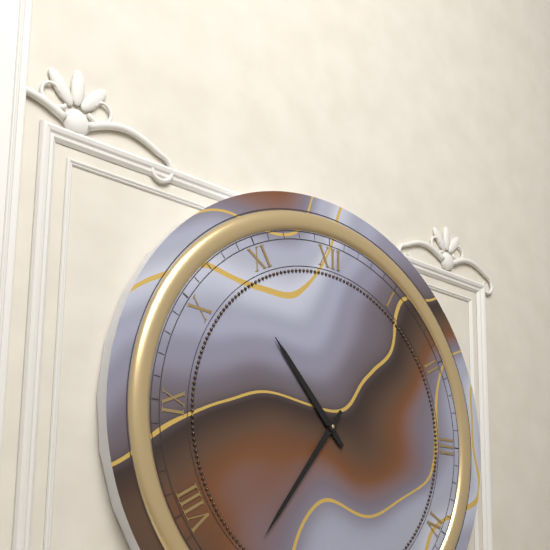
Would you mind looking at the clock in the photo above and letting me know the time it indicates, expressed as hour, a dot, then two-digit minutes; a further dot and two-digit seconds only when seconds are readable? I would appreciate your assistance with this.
10.36
